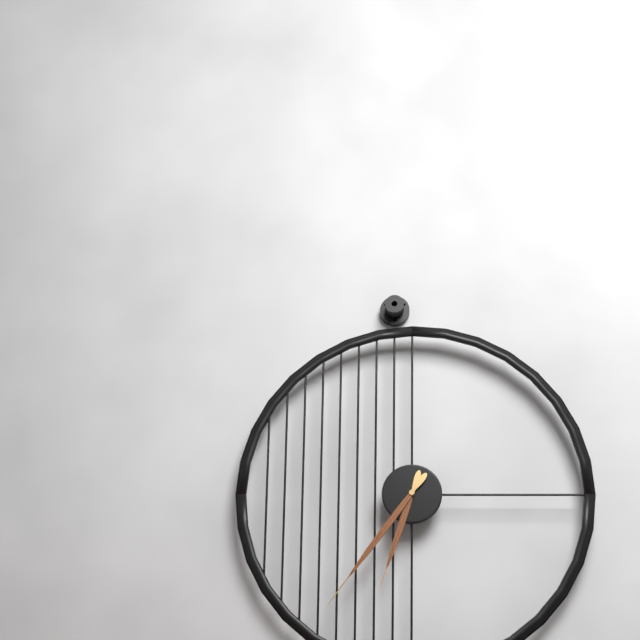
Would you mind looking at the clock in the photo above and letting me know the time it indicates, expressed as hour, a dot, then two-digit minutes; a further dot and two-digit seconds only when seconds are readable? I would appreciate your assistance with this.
6.36
